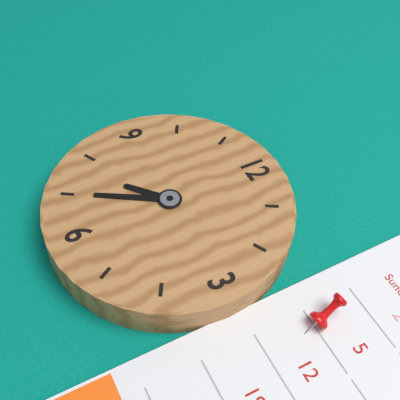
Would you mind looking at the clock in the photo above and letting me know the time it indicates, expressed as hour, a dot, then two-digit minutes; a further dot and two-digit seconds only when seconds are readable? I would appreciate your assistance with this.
7.35
